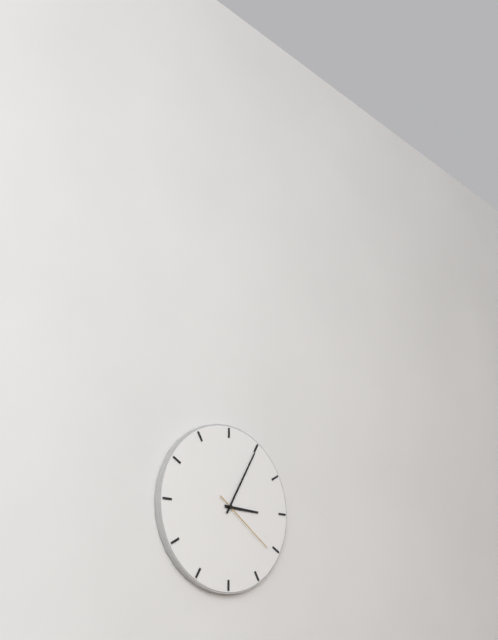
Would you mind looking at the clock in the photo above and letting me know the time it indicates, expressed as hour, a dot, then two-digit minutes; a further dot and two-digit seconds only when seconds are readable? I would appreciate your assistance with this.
3.05.21
